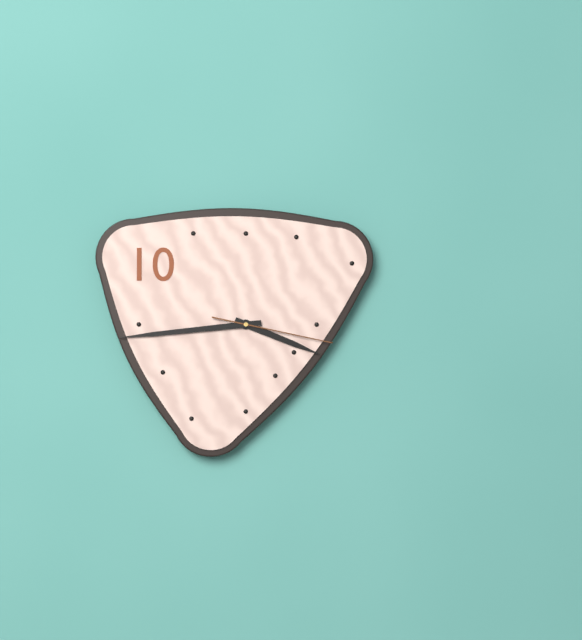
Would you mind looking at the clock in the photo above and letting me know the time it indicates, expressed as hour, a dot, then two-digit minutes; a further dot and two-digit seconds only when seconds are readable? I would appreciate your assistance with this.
3.44.17
